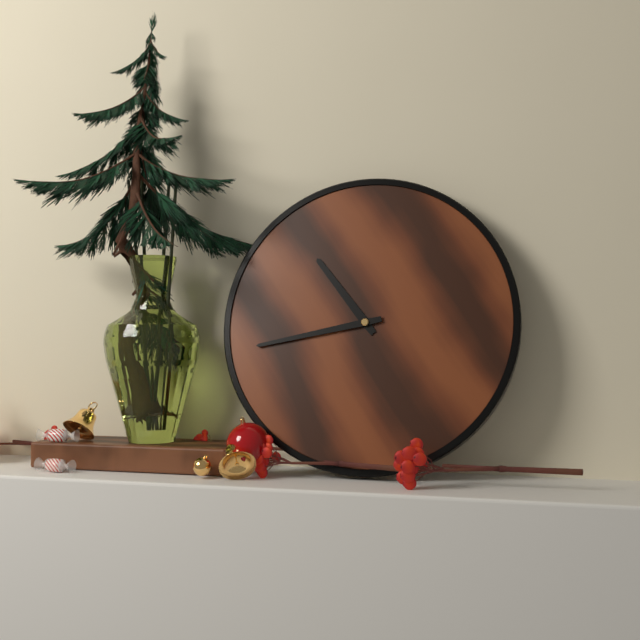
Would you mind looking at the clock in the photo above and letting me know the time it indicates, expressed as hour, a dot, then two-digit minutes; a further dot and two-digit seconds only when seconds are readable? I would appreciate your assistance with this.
10.43
